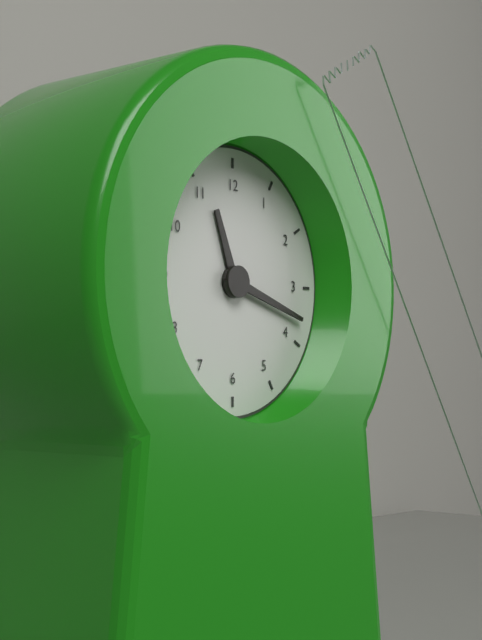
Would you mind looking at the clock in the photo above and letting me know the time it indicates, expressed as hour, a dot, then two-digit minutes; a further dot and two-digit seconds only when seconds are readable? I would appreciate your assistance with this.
11.18
